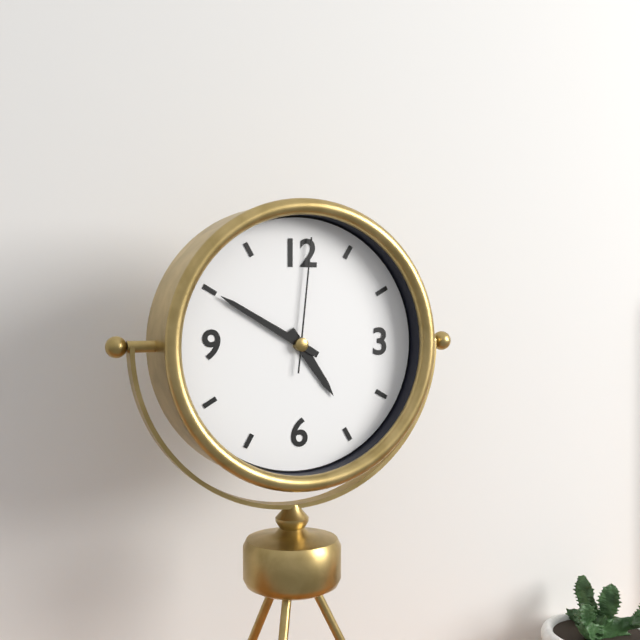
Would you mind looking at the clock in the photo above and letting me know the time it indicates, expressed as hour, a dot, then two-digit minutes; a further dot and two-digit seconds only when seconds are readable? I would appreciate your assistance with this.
4.50.01
